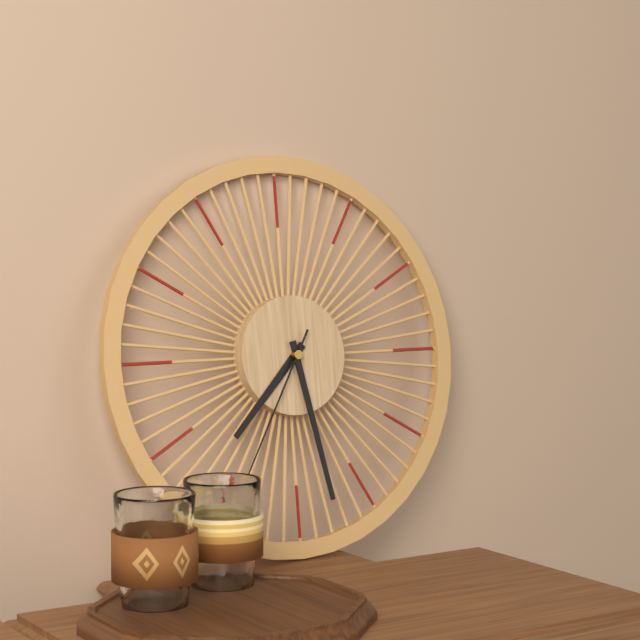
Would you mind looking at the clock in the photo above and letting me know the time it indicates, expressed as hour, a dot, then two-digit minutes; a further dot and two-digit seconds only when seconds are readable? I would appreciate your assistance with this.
7.28.35
